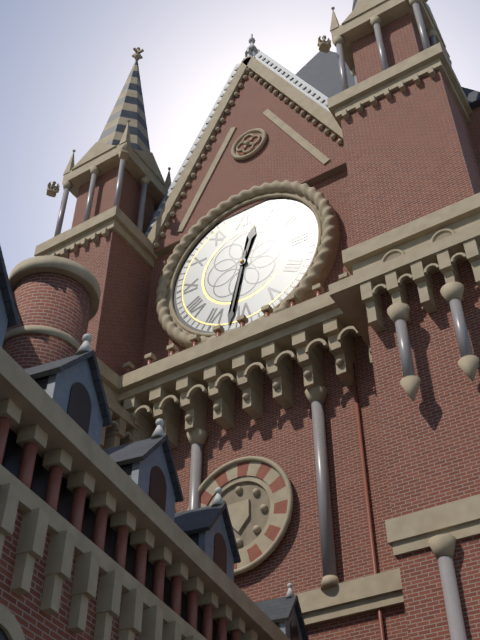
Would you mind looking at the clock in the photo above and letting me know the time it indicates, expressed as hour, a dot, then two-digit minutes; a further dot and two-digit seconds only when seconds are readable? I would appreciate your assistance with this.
12.32
